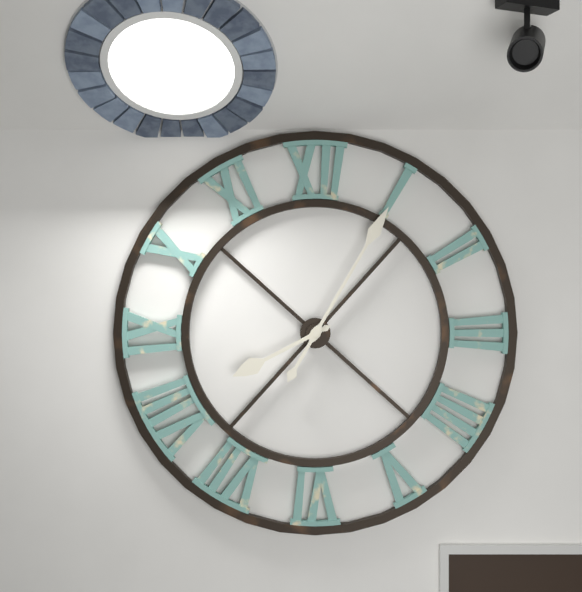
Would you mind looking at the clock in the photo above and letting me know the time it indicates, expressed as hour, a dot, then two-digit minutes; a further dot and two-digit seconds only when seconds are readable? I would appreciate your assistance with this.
8.05
